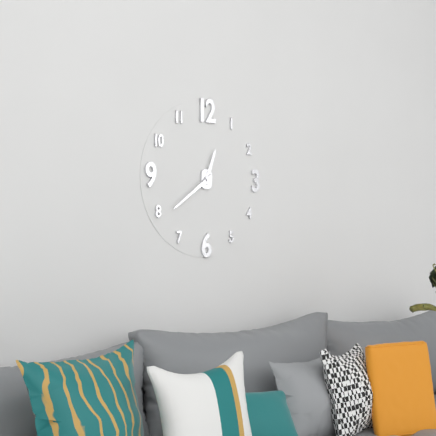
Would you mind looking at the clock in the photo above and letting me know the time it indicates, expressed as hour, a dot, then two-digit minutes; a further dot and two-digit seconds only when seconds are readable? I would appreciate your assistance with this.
12.39
